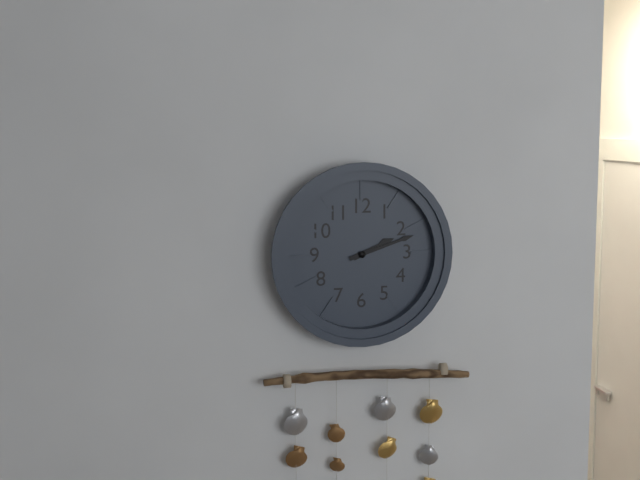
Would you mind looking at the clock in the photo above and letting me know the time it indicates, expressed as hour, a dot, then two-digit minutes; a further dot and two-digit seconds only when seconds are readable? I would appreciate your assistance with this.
2.12
